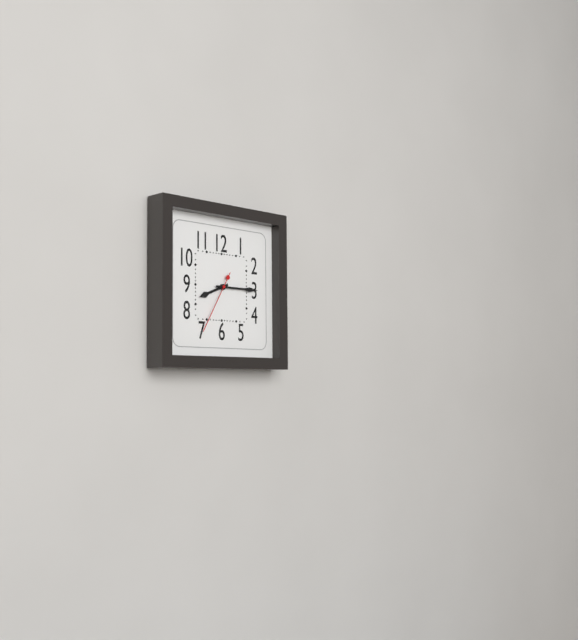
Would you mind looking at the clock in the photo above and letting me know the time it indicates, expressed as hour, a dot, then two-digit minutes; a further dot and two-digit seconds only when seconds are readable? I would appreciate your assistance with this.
8.15.35
